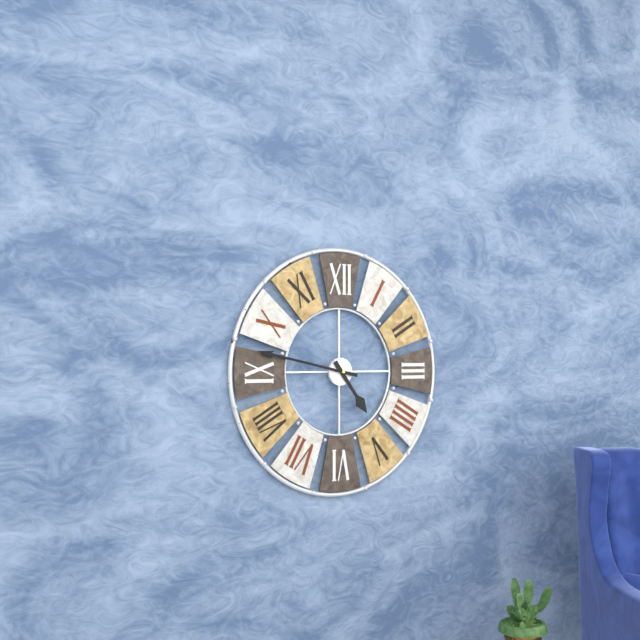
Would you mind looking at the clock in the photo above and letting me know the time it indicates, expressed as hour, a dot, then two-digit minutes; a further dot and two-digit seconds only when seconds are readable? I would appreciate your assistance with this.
4.47
